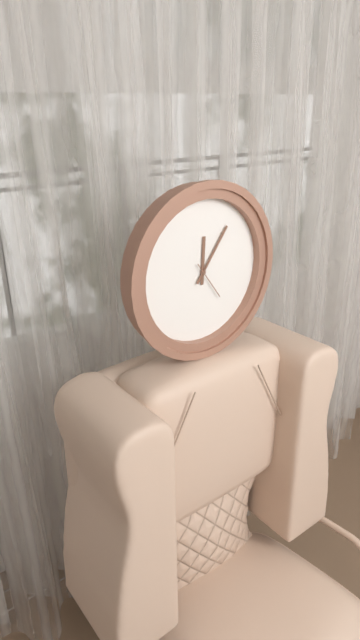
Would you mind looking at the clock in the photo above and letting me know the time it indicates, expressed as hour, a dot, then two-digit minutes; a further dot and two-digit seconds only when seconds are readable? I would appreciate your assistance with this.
12.06
